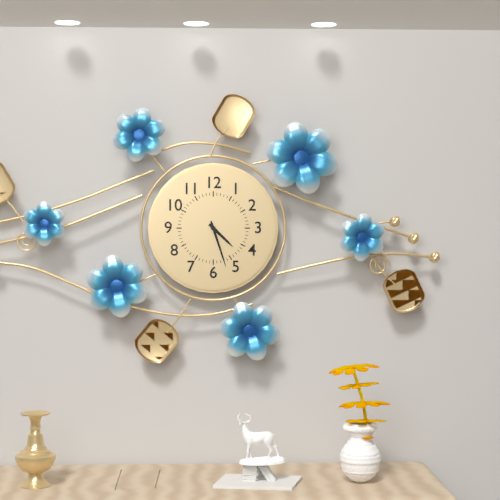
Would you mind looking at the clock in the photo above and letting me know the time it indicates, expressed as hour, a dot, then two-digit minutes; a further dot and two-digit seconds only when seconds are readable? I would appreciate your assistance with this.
4.27
